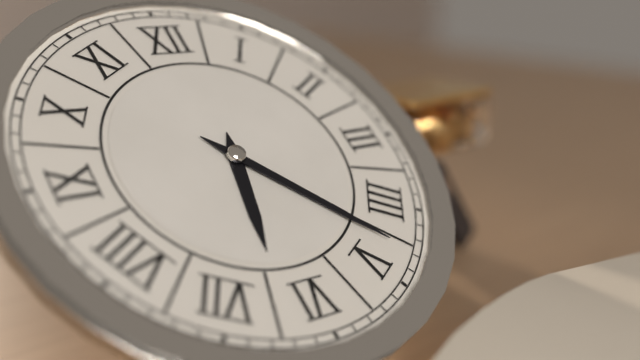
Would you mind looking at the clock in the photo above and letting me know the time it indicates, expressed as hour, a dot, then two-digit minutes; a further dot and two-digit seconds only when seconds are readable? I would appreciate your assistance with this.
6.23
